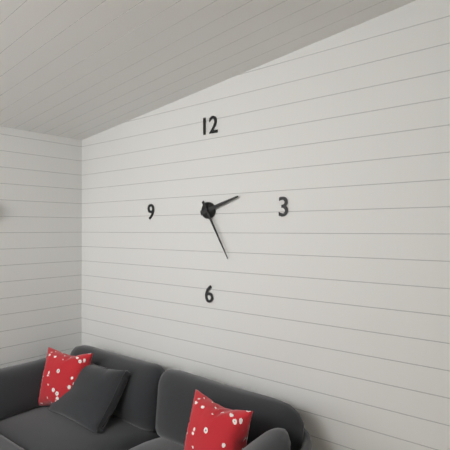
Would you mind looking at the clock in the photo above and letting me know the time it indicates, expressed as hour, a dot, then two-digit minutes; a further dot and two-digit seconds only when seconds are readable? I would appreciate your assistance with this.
2.25
